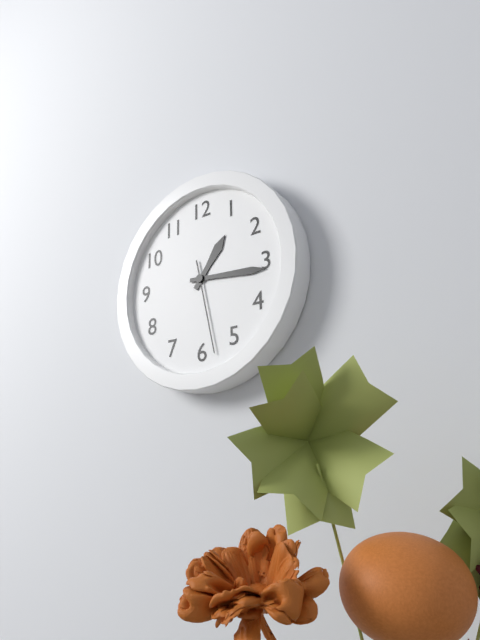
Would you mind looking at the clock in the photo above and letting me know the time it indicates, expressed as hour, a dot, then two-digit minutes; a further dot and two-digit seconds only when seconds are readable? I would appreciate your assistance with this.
1.16.28
